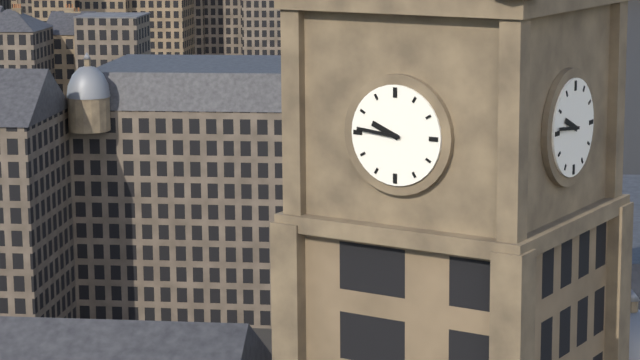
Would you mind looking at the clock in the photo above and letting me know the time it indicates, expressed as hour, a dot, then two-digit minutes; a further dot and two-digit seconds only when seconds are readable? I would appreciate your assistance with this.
9.46
